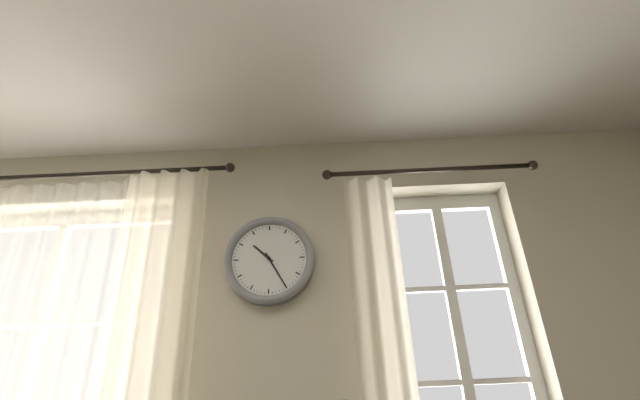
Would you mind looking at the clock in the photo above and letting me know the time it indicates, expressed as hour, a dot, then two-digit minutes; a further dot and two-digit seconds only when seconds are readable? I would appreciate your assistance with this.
10.25
